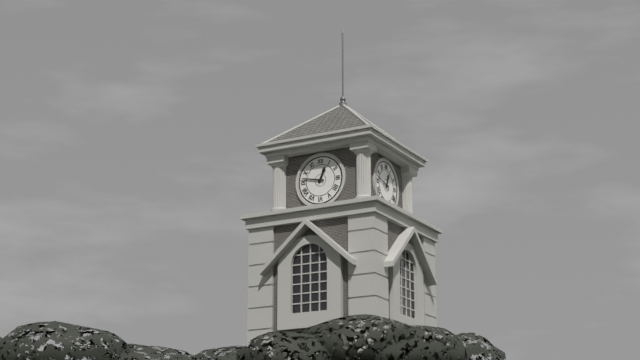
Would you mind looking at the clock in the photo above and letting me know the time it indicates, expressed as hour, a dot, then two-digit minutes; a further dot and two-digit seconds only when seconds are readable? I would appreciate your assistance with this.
12.47
